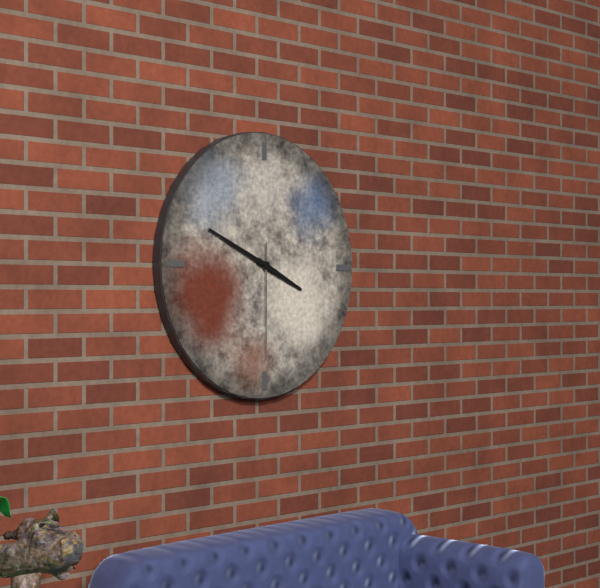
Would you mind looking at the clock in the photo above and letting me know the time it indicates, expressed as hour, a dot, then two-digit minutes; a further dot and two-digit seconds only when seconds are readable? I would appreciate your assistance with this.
3.49.30
